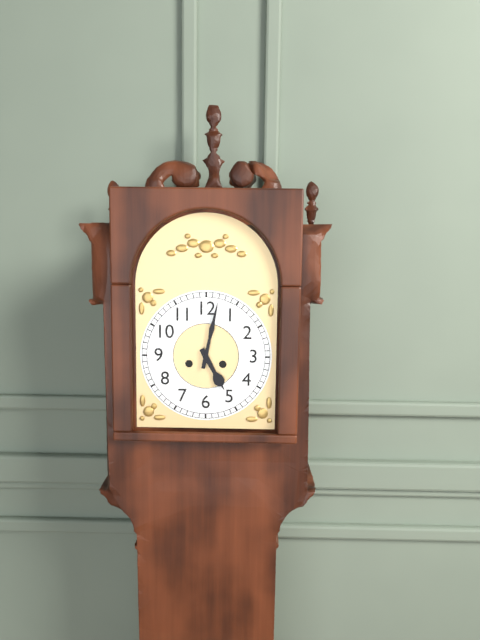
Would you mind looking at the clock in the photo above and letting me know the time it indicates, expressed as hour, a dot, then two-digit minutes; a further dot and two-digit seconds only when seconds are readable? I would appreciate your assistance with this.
5.02
